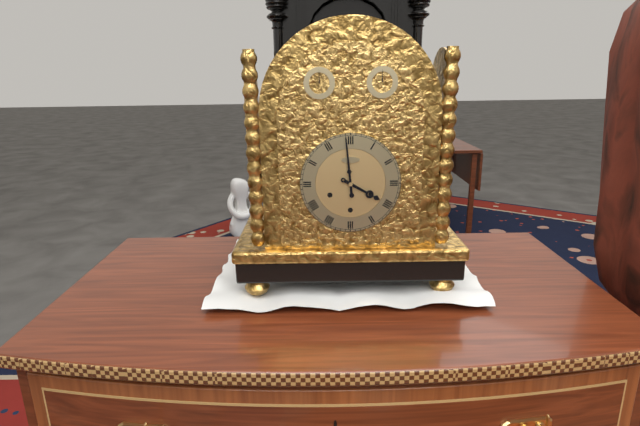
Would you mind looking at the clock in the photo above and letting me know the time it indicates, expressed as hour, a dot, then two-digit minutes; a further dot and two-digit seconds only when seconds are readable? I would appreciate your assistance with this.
3.59
